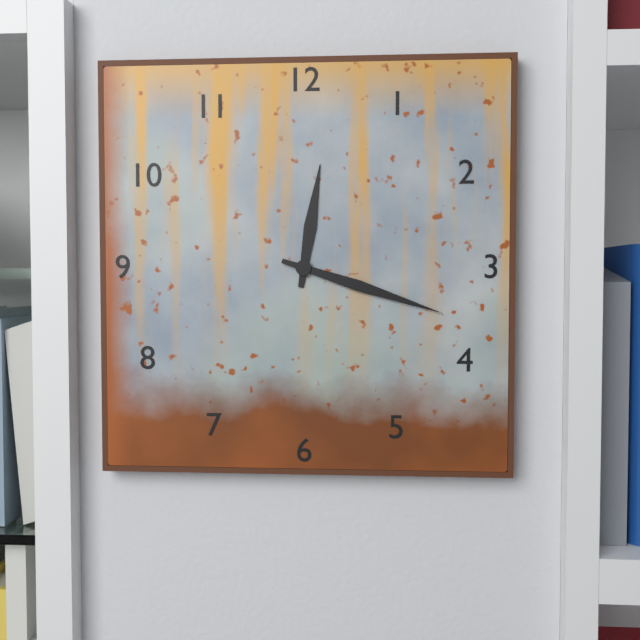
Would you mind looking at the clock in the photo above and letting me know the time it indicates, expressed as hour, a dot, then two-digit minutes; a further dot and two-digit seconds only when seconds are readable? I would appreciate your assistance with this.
12.18
